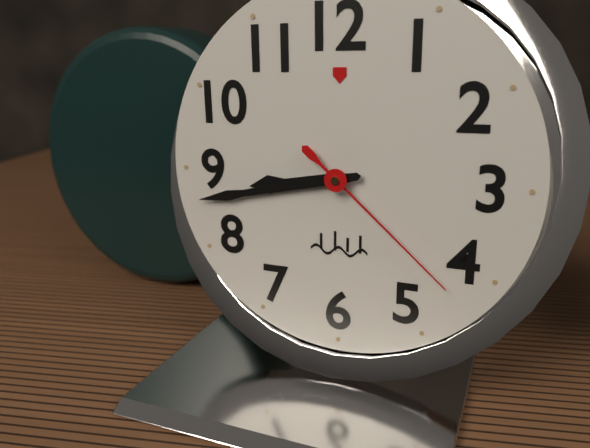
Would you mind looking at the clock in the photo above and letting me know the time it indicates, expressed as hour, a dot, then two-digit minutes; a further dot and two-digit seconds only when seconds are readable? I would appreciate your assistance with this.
8.43.22
